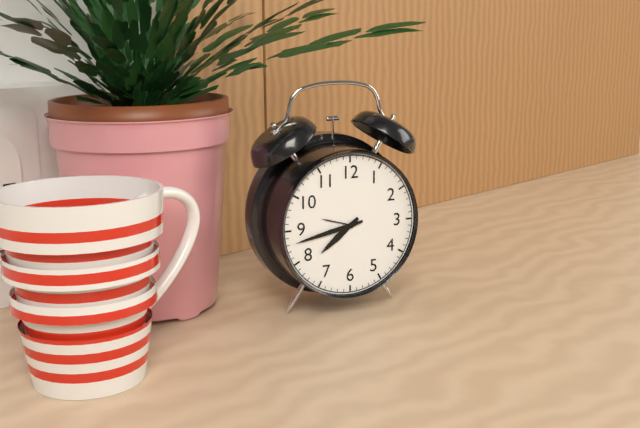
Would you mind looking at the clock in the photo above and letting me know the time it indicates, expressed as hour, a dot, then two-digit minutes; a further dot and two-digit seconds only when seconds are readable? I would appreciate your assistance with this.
7.43
